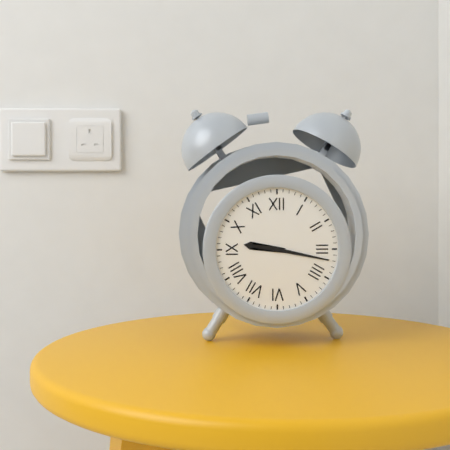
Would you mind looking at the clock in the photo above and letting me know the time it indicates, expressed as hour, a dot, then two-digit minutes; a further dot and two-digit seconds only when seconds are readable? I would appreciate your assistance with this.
9.17
